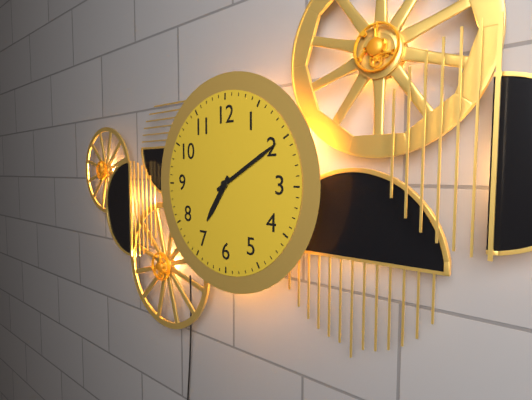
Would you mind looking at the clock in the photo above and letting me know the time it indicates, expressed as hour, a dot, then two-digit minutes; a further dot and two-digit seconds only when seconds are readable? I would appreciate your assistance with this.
7.10
